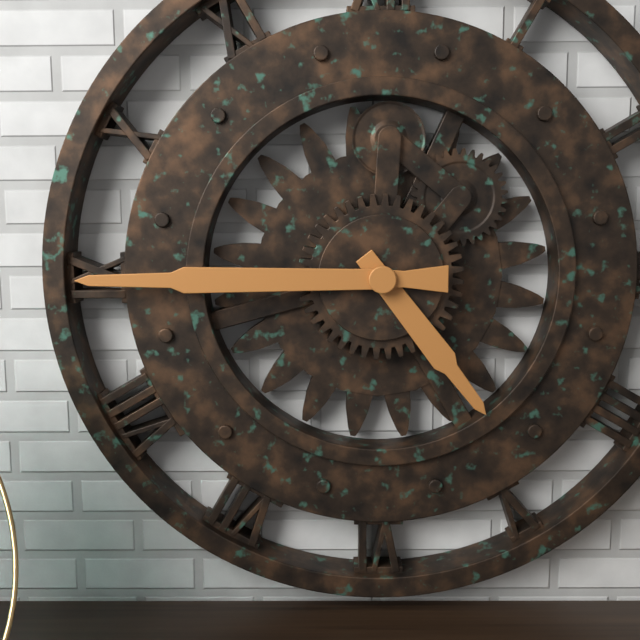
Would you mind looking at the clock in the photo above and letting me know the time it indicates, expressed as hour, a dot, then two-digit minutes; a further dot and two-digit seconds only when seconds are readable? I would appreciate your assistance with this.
4.45
